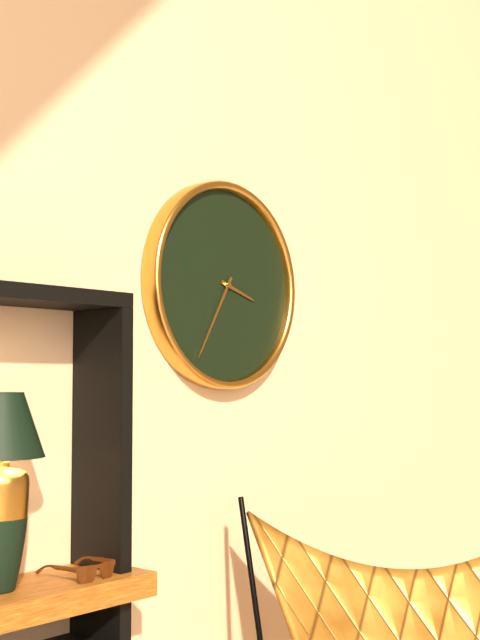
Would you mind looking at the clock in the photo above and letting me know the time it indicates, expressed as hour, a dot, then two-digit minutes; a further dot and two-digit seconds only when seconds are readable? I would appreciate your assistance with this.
3.35
